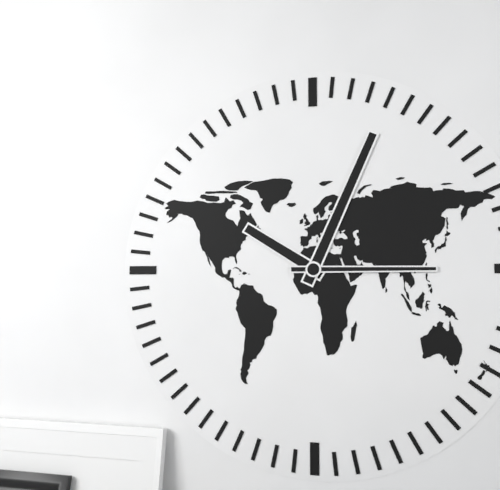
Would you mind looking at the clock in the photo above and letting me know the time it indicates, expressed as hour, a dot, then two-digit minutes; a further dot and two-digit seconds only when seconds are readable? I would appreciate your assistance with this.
10.04.15
